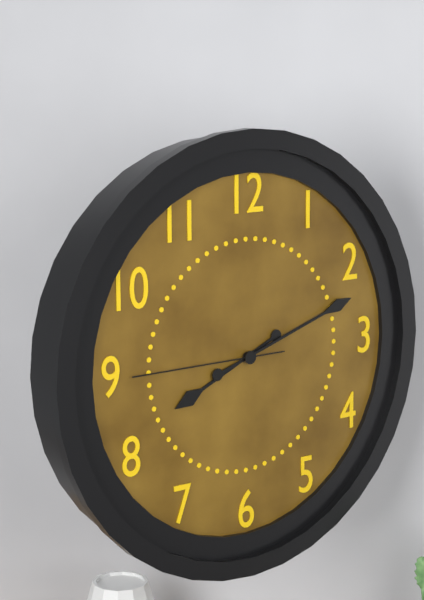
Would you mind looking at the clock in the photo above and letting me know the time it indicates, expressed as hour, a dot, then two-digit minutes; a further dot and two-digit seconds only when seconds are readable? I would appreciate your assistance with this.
8.12.45
